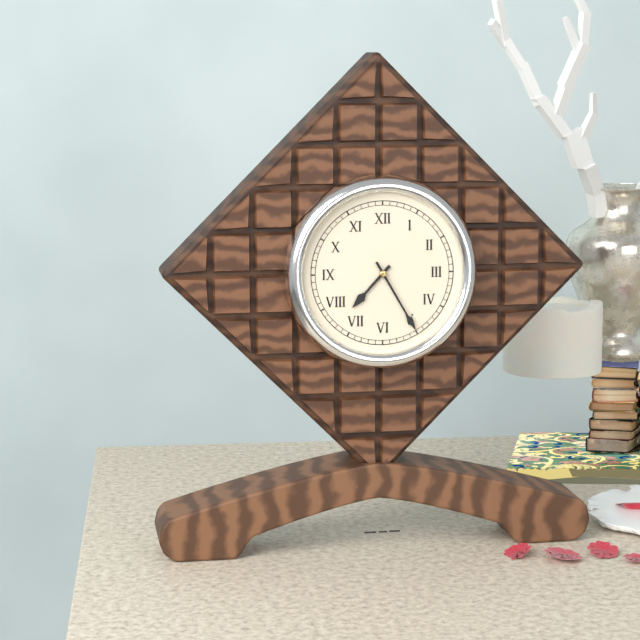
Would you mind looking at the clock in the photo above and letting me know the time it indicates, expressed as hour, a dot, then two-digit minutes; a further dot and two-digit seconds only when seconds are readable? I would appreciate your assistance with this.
7.25
